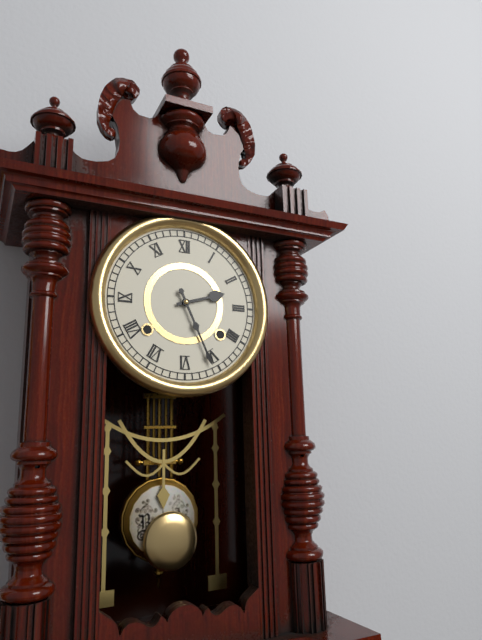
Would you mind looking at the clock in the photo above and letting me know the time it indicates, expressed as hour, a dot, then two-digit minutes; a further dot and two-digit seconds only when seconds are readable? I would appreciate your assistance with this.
2.26
